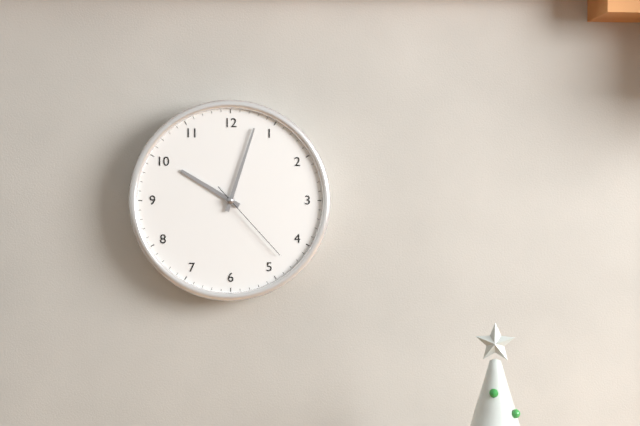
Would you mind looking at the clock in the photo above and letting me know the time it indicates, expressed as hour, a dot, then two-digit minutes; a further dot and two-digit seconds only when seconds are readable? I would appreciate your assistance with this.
10.03.23
